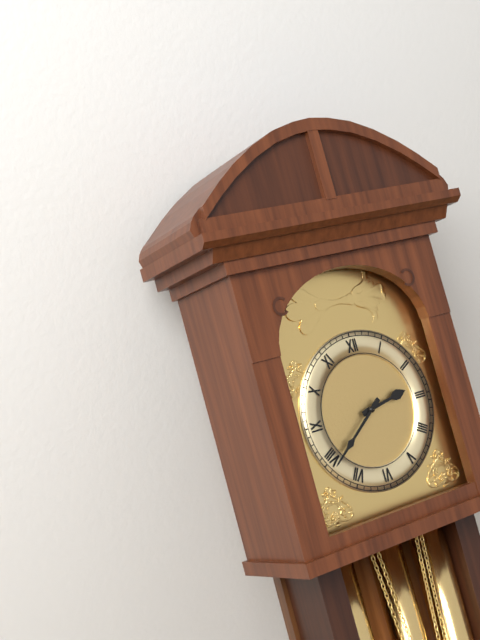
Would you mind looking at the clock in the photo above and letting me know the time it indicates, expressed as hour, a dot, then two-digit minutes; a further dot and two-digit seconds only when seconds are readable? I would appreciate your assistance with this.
2.39
